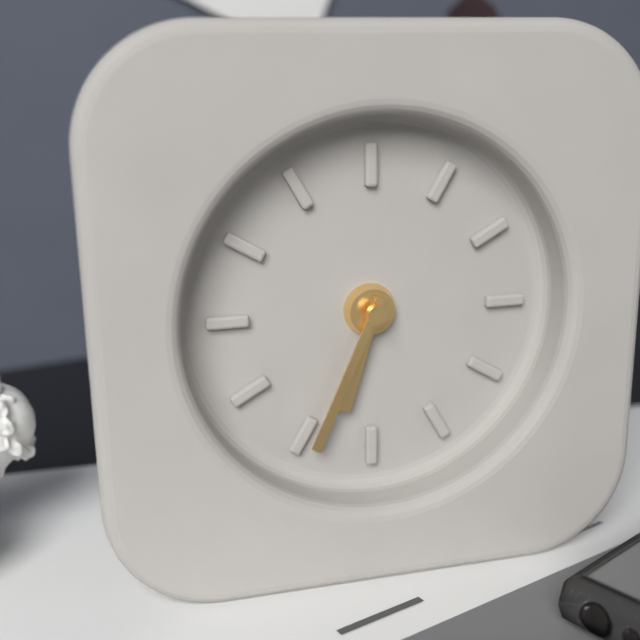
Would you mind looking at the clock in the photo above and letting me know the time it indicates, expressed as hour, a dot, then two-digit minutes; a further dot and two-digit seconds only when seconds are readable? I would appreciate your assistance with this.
6.34
